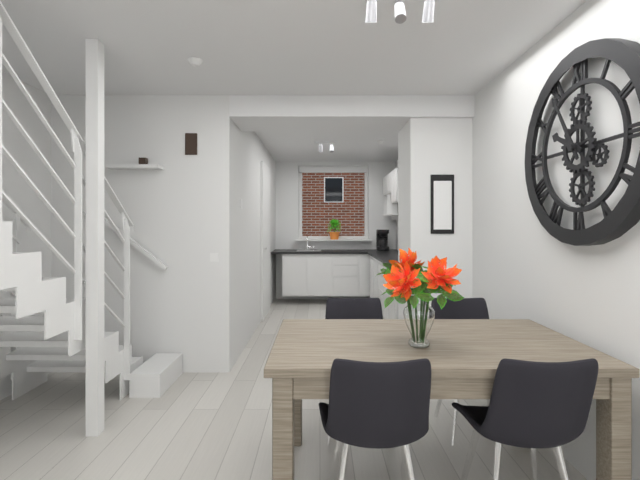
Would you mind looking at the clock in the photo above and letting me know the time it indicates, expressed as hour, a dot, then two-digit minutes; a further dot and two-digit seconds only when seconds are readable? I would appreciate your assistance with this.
9.55
